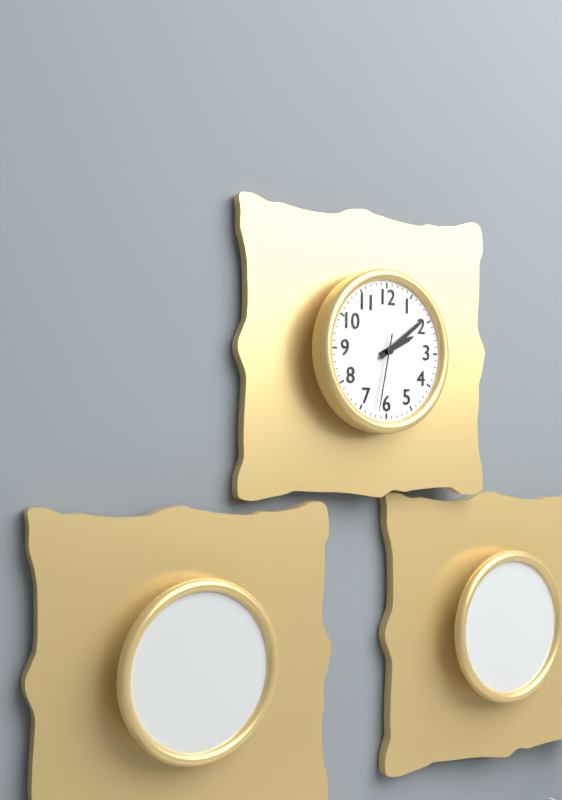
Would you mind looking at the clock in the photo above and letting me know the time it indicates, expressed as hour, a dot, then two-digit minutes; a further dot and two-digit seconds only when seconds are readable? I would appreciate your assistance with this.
2.09.32
